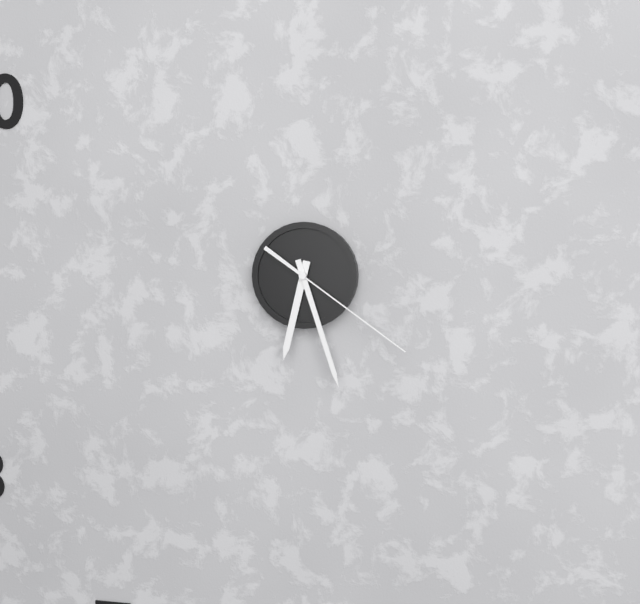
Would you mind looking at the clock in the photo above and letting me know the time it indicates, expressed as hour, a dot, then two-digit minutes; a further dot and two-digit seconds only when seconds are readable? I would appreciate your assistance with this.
6.27.21
